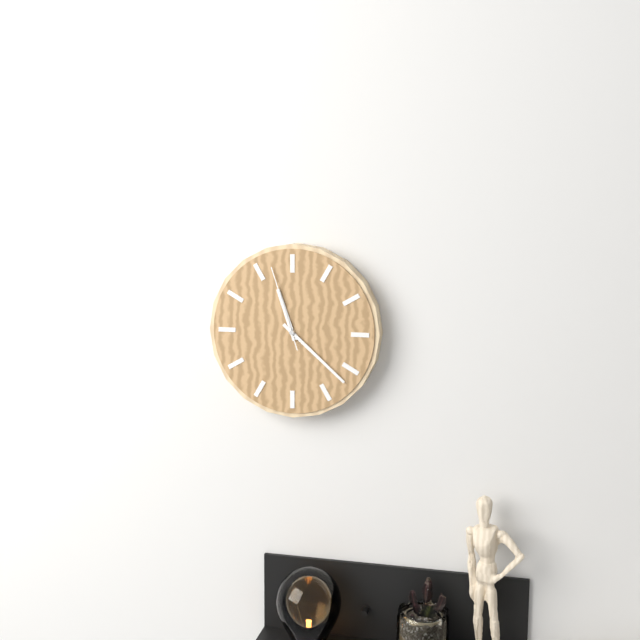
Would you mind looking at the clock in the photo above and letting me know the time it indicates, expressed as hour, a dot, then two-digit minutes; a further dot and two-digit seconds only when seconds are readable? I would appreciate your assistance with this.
11.22.57
